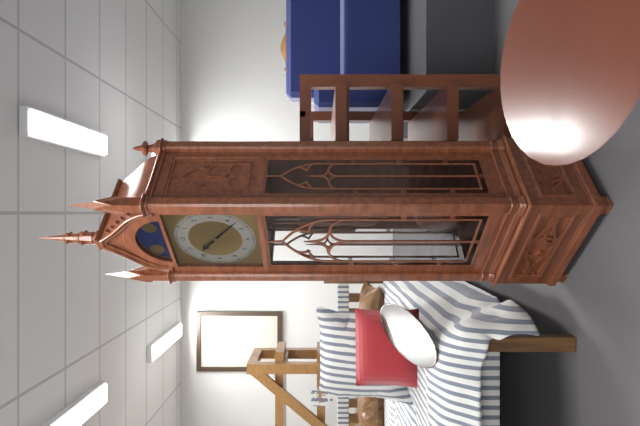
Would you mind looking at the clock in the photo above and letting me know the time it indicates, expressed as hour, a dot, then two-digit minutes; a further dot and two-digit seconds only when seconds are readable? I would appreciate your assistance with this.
10.22
